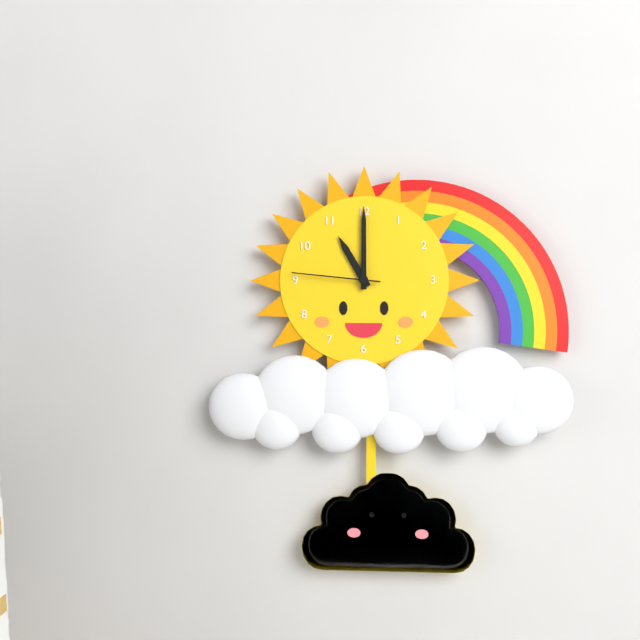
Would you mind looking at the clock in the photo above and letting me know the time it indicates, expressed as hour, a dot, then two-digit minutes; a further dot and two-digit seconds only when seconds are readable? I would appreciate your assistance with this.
11.00.46
